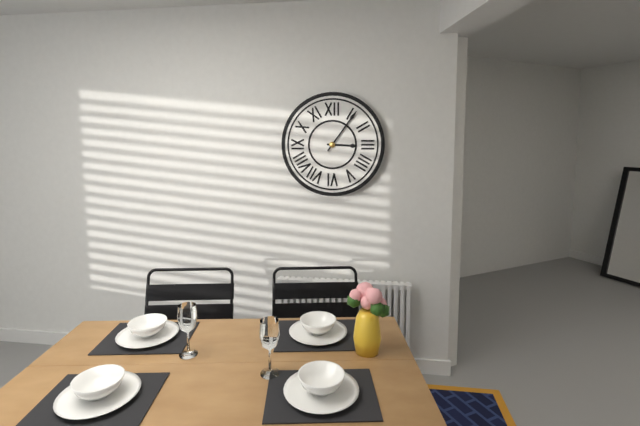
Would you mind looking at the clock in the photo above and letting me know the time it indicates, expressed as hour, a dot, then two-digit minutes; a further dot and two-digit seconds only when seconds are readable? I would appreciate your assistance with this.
3.06
